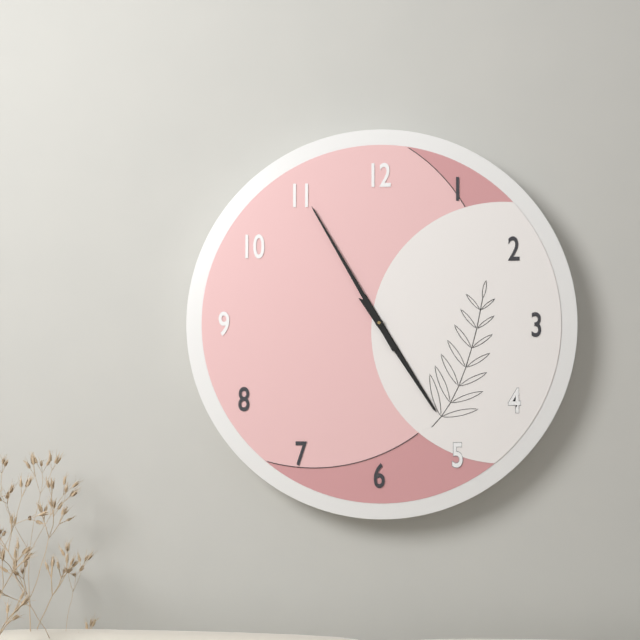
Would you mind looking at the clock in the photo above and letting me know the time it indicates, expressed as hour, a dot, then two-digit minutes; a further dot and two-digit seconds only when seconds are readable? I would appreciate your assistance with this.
4.55
